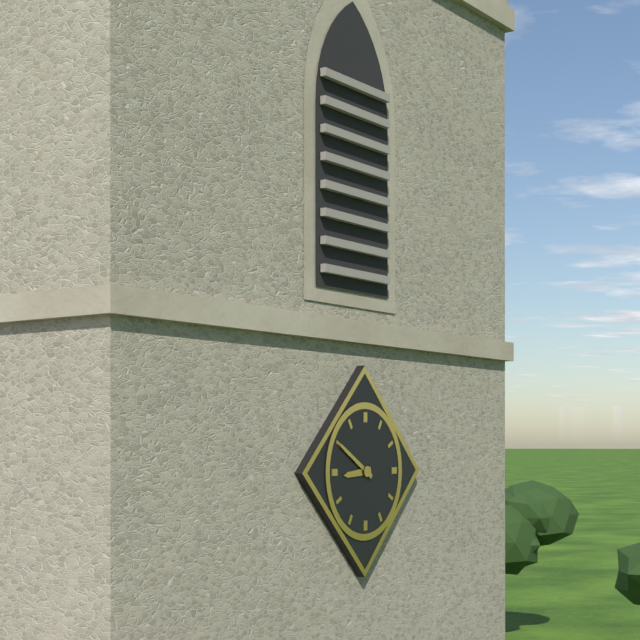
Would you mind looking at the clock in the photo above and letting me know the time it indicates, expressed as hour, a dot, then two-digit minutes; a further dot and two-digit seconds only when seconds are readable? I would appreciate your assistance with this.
8.50
